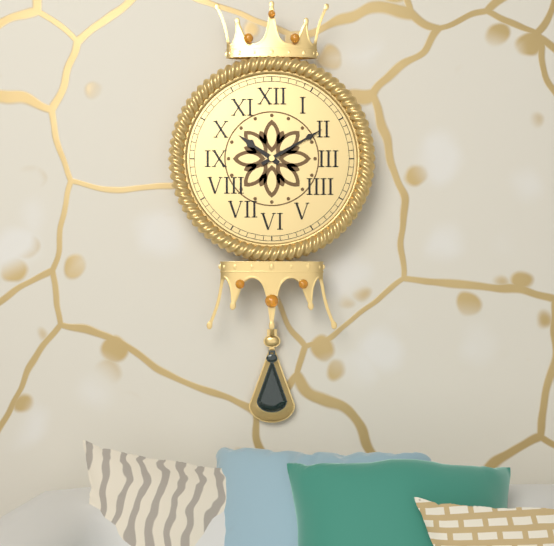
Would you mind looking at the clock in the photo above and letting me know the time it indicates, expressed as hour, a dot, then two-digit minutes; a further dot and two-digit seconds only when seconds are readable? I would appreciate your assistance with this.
10.10
